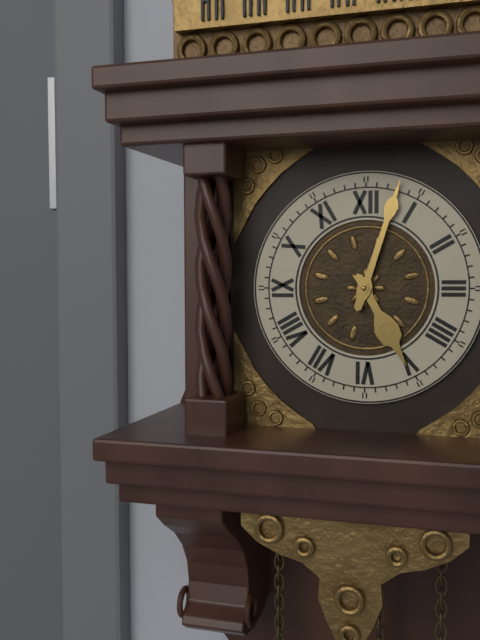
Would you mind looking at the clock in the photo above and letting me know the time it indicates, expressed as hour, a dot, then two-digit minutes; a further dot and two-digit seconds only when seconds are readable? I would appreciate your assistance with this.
5.03
